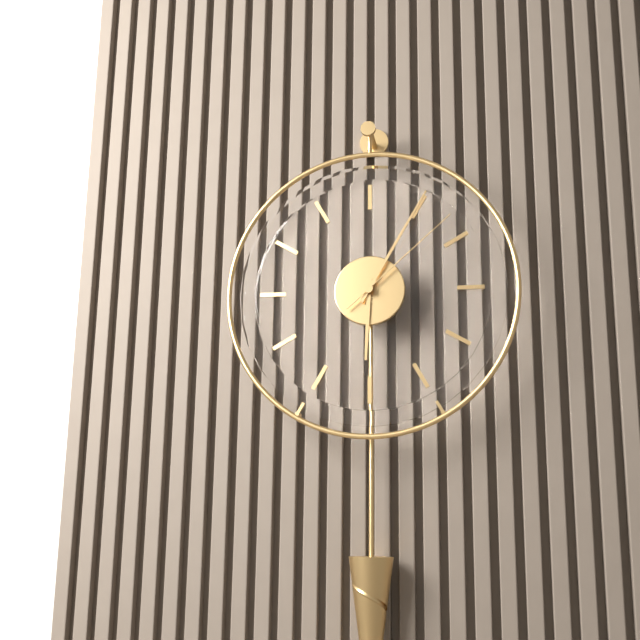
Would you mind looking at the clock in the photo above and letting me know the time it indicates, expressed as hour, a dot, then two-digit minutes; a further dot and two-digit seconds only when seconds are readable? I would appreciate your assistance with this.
6.05.08
